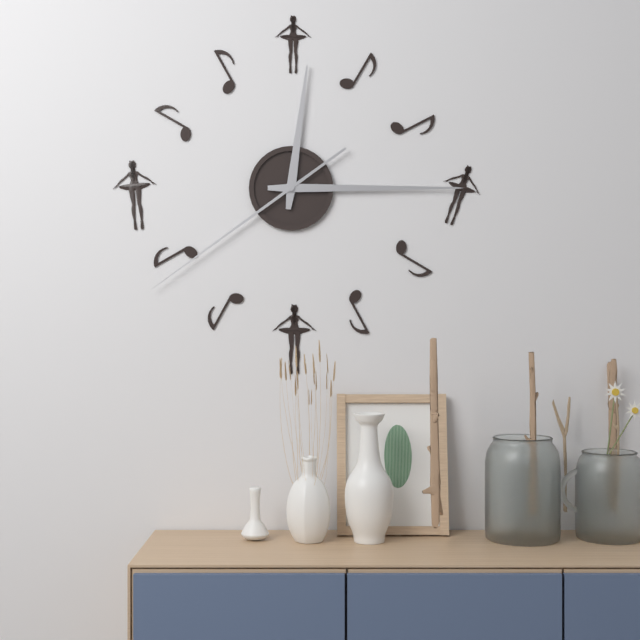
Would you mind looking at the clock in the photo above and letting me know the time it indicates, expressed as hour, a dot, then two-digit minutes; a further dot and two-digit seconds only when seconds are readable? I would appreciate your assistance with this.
12.15.39
